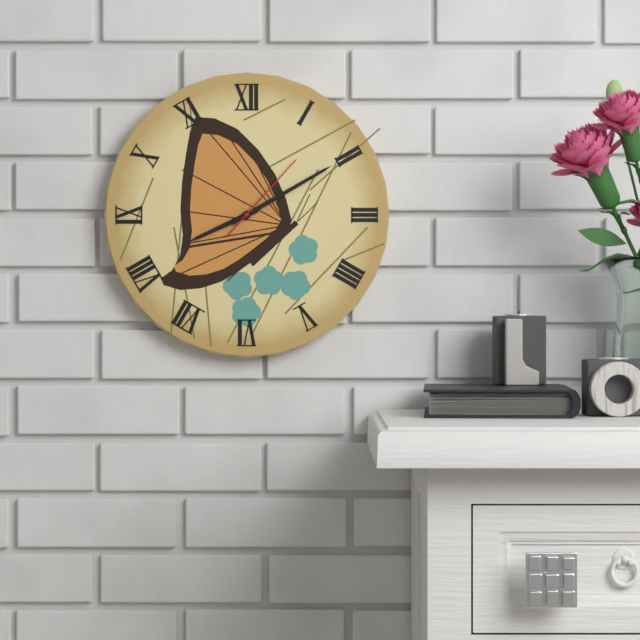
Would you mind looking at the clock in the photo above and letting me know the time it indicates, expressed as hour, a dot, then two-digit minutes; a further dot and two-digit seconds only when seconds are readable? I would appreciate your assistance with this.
8.10.07
